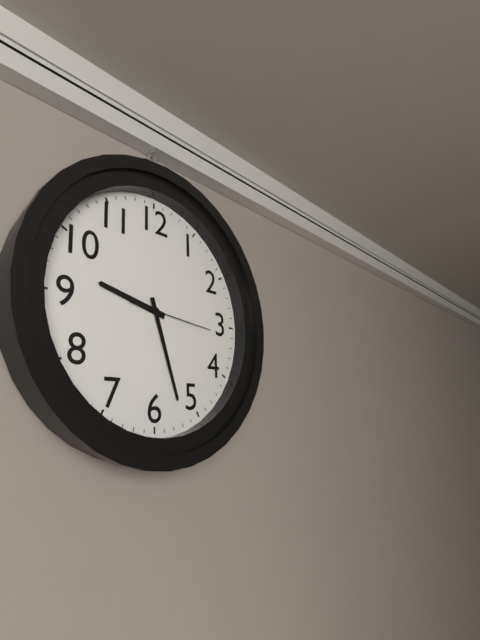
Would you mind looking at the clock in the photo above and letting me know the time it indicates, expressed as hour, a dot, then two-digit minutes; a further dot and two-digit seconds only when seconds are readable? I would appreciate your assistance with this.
9.27.16
